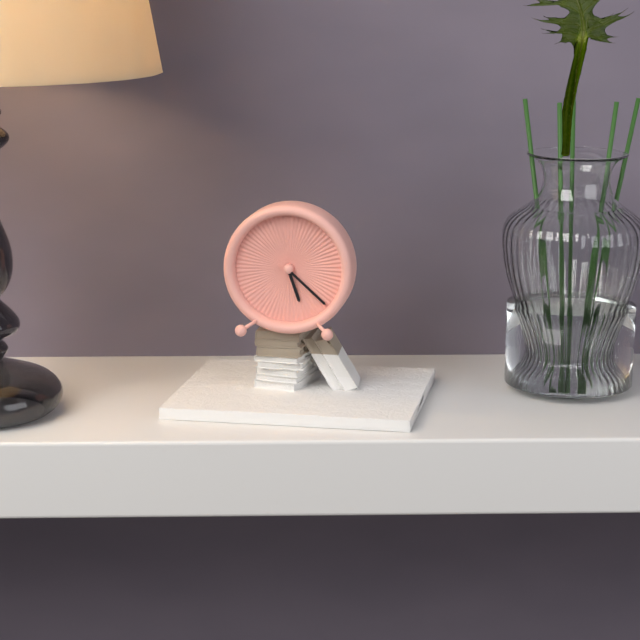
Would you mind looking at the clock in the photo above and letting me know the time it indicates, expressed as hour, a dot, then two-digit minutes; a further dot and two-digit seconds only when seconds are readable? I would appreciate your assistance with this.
5.22
